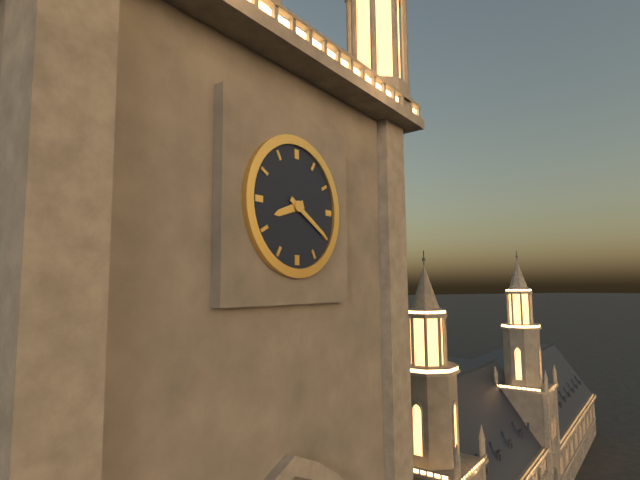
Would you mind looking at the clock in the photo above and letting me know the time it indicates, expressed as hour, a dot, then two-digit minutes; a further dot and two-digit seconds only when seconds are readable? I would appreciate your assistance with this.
8.20
